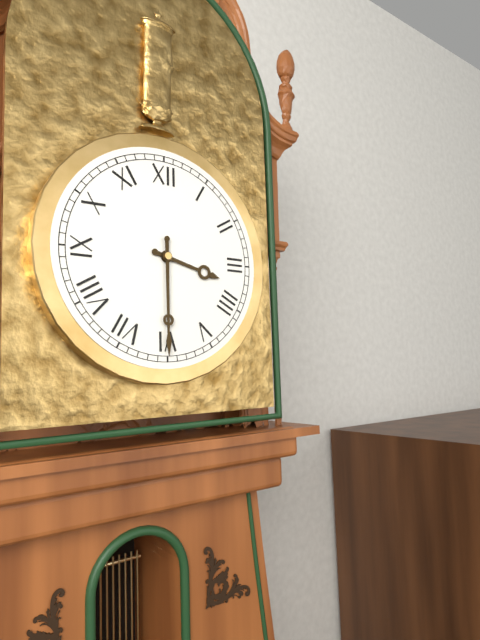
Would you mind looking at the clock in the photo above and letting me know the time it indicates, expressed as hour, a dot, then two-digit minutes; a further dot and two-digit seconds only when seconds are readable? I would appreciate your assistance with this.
3.30
